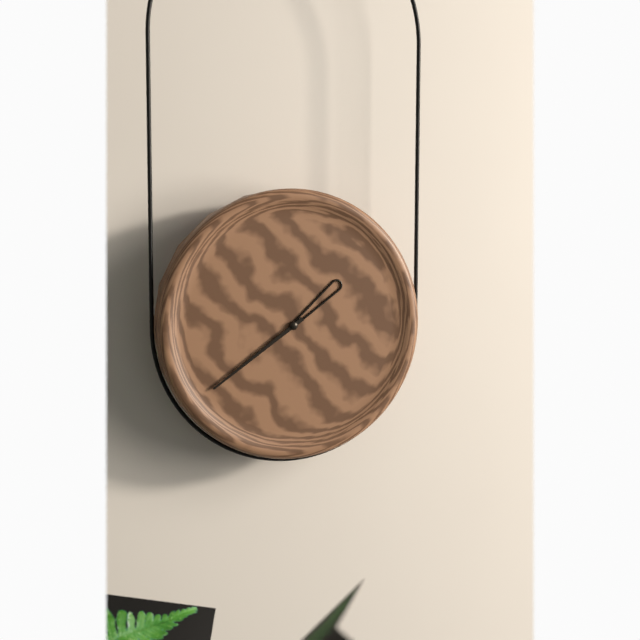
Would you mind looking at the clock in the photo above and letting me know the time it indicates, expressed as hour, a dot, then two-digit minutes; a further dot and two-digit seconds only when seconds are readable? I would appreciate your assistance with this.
1.39
